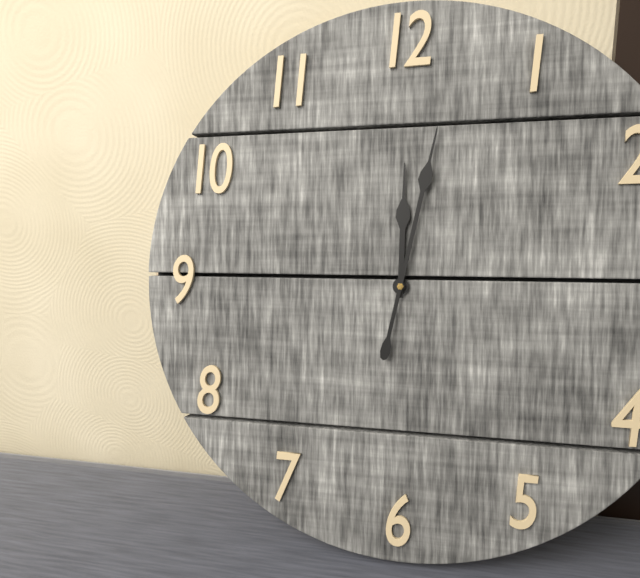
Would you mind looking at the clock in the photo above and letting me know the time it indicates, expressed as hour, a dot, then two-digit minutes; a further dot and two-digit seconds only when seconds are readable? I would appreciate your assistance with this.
12.02
